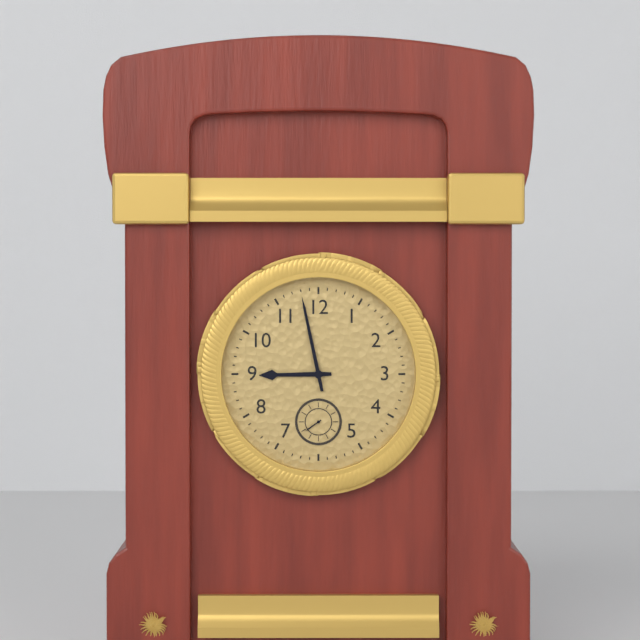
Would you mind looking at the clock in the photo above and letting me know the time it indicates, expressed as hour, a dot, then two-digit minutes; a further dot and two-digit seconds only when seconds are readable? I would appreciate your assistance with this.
8.58
